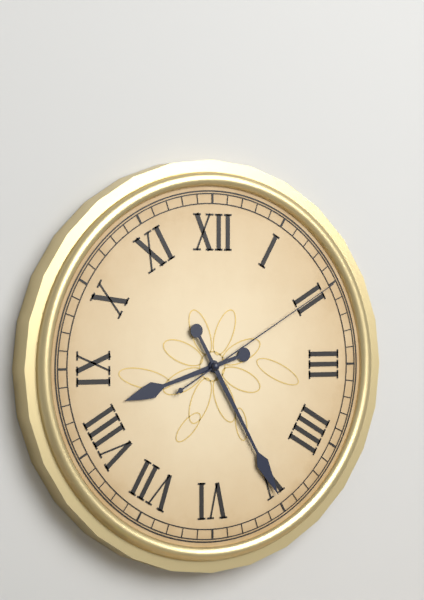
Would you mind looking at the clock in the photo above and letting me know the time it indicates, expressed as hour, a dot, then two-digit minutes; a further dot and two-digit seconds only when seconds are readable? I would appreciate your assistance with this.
8.25.10
